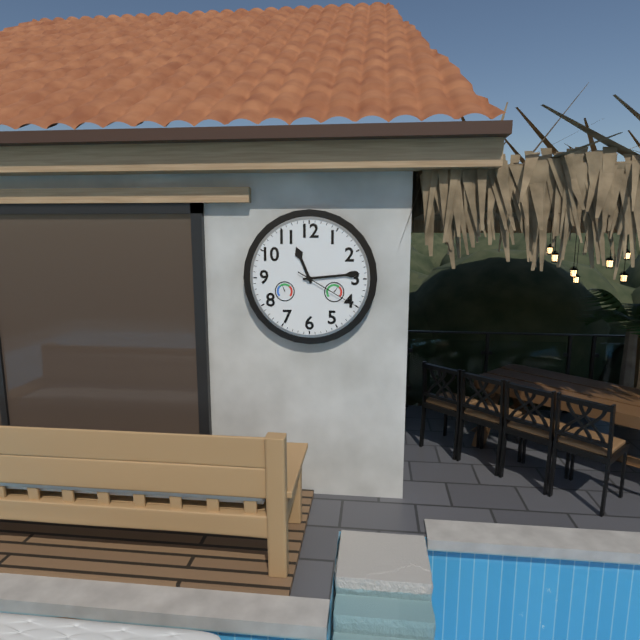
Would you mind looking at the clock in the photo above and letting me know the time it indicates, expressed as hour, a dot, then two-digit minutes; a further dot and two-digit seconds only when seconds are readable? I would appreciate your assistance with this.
11.14.20
